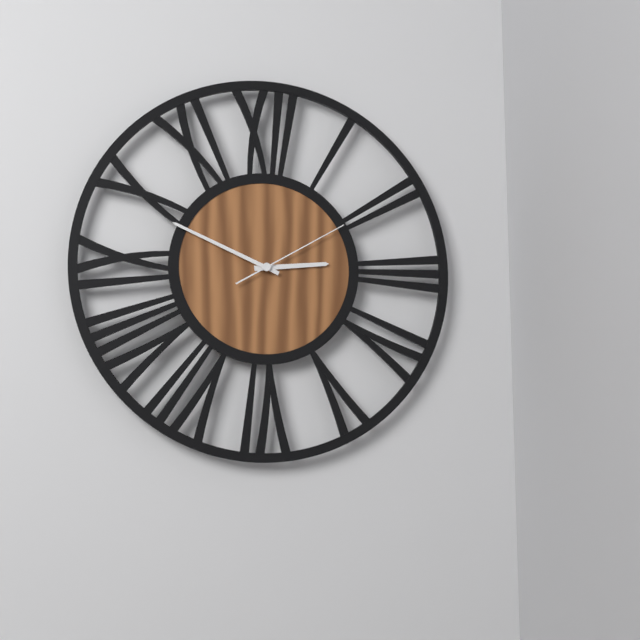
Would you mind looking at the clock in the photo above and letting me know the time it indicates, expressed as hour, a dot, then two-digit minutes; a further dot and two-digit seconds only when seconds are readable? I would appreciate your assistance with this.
2.49.10
